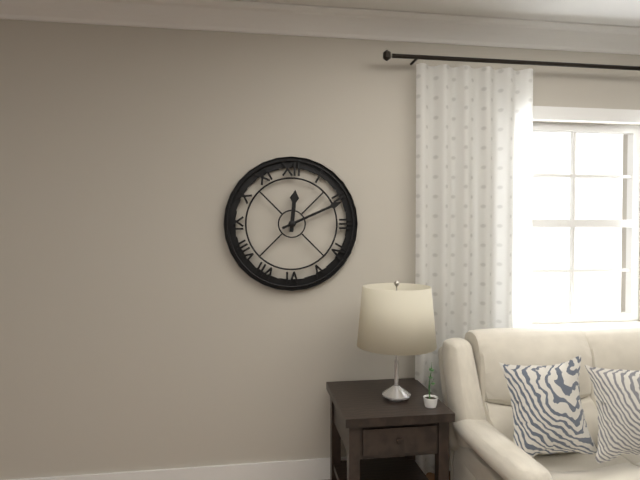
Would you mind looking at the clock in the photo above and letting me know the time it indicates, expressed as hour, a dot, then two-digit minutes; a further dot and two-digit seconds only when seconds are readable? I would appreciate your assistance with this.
12.11
